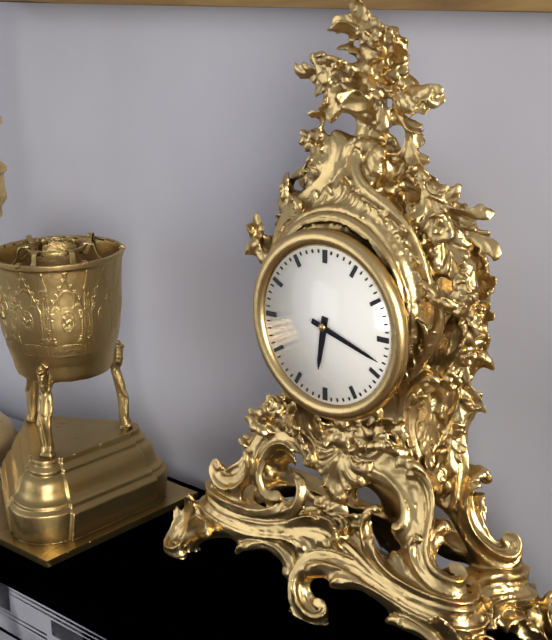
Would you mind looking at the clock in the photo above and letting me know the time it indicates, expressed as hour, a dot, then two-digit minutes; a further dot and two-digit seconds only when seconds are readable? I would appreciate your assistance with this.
6.18
